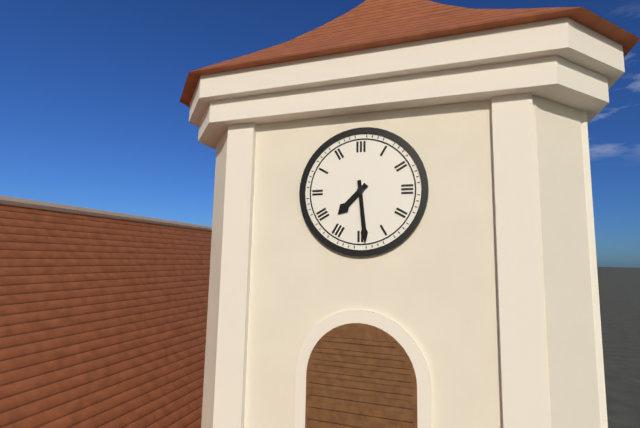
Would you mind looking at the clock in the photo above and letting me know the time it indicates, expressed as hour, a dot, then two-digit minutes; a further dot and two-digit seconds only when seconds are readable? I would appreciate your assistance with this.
7.29
